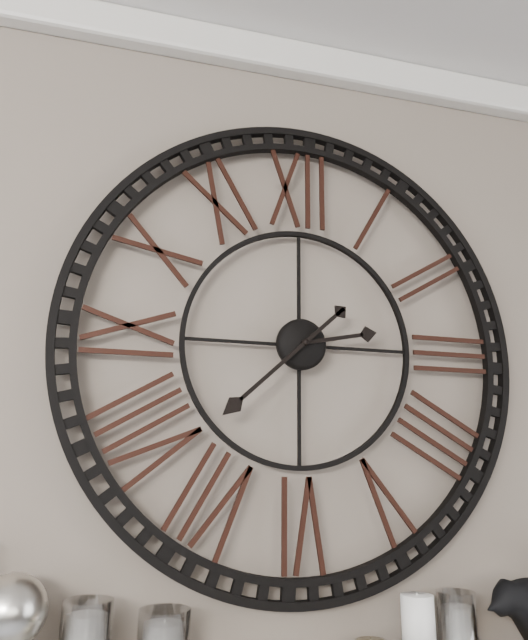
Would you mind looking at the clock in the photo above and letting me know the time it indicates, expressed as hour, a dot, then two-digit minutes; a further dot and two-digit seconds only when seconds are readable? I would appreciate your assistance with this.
2.38
